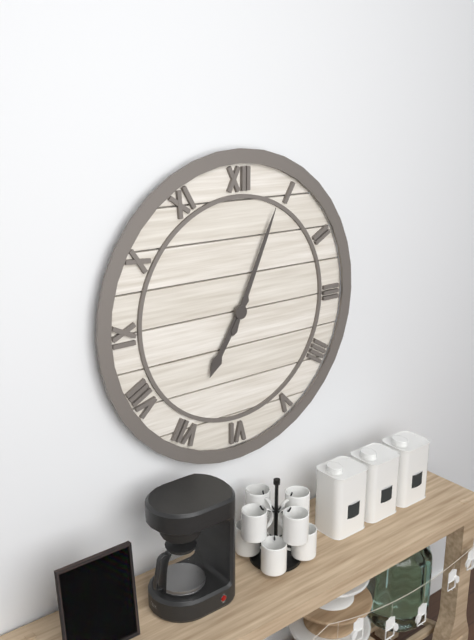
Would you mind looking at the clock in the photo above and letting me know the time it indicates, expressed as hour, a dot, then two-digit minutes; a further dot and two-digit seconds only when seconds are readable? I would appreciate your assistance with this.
7.04
